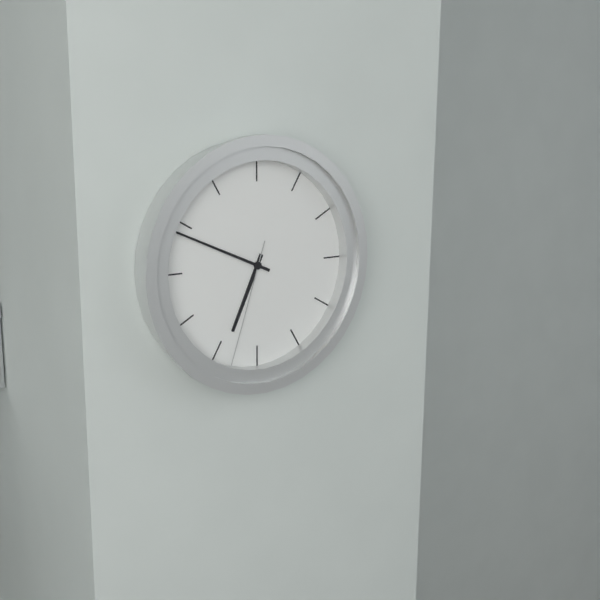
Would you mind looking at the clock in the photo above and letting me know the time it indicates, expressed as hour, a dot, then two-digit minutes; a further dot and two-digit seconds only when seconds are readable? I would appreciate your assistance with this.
6.49.33
